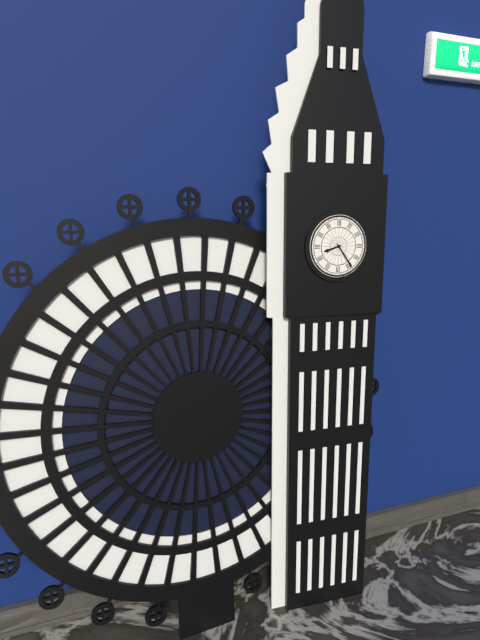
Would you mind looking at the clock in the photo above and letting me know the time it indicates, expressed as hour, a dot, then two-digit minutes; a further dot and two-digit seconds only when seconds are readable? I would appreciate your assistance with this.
8.24
